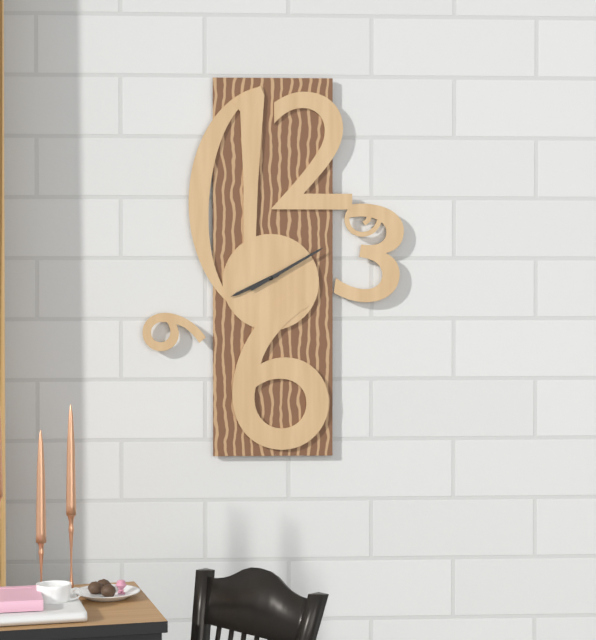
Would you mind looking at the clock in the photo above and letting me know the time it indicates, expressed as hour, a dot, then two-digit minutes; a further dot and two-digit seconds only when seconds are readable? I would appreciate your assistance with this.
8.10
